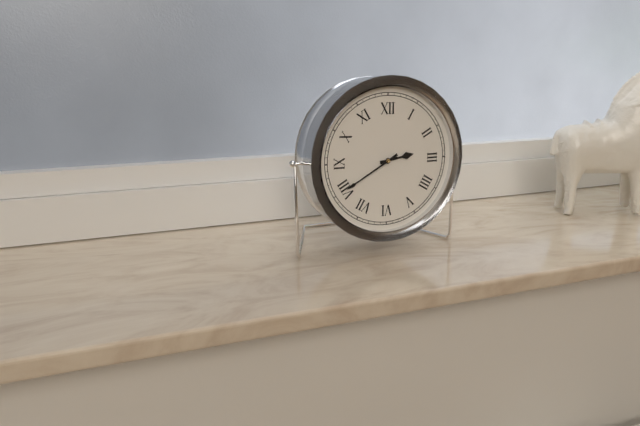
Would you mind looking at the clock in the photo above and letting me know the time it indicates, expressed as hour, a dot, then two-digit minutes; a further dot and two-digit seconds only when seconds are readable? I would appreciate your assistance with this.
2.40
